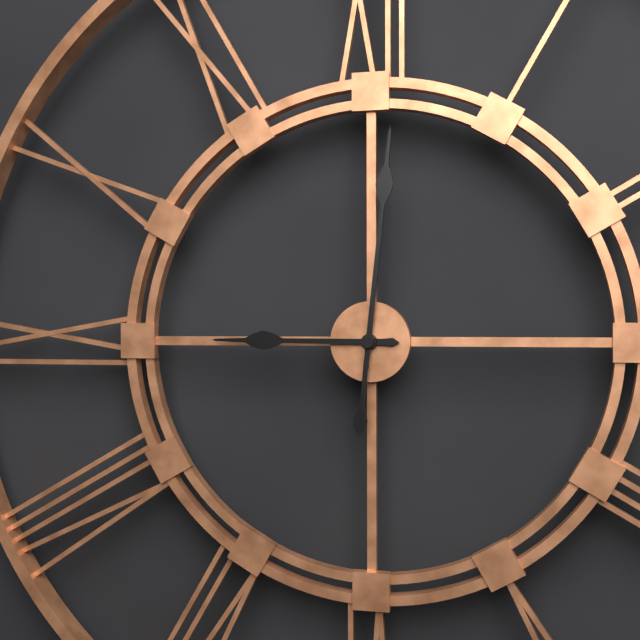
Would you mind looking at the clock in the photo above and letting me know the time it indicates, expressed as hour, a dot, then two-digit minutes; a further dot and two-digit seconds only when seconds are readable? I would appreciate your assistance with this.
9.01
